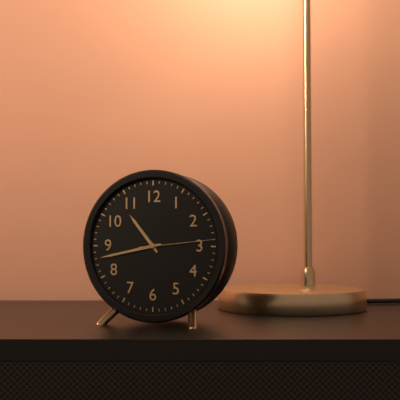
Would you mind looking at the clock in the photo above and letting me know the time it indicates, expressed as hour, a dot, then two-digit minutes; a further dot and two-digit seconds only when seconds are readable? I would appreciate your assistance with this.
10.43.14
